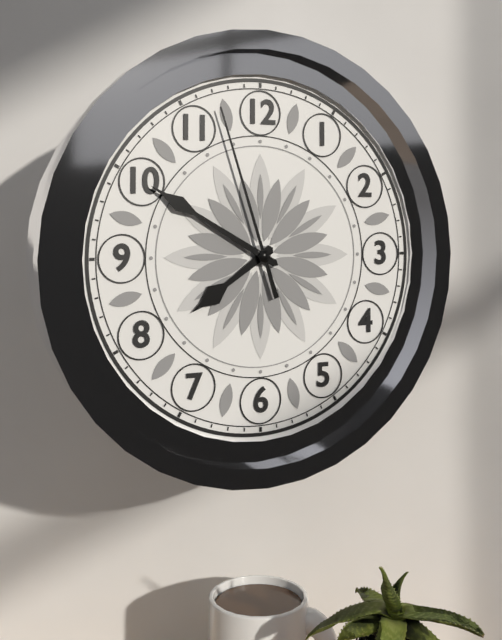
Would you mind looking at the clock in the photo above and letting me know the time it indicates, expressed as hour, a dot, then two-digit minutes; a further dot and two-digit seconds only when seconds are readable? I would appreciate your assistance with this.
7.50.57
